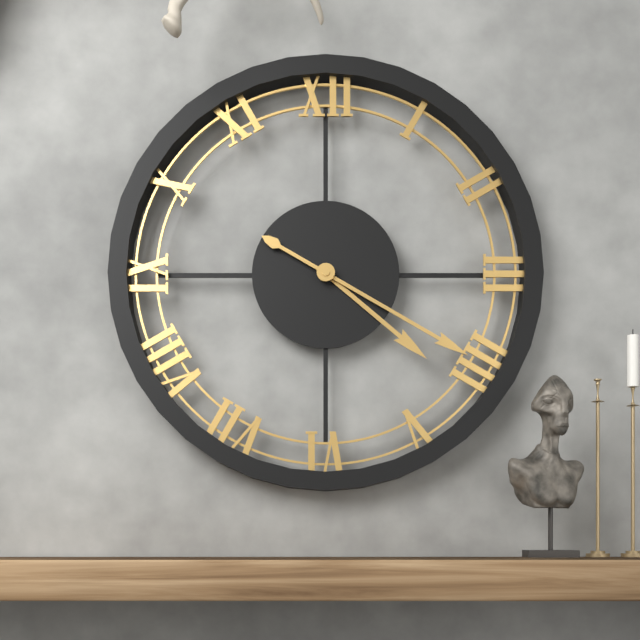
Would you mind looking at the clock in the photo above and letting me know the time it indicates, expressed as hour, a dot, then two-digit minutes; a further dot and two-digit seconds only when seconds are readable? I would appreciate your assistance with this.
4.20
